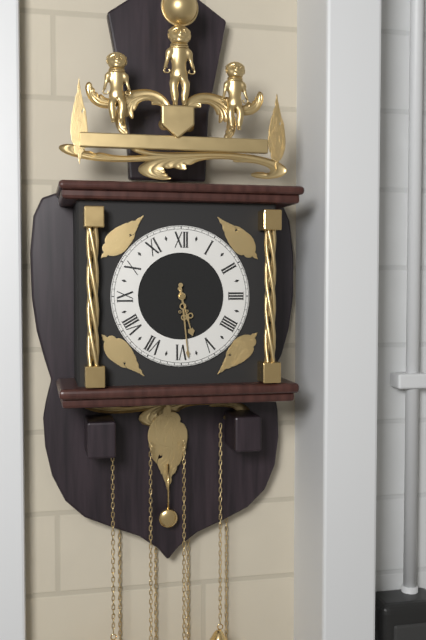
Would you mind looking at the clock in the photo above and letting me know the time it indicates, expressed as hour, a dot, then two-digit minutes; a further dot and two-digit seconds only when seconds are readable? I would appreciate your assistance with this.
5.29
